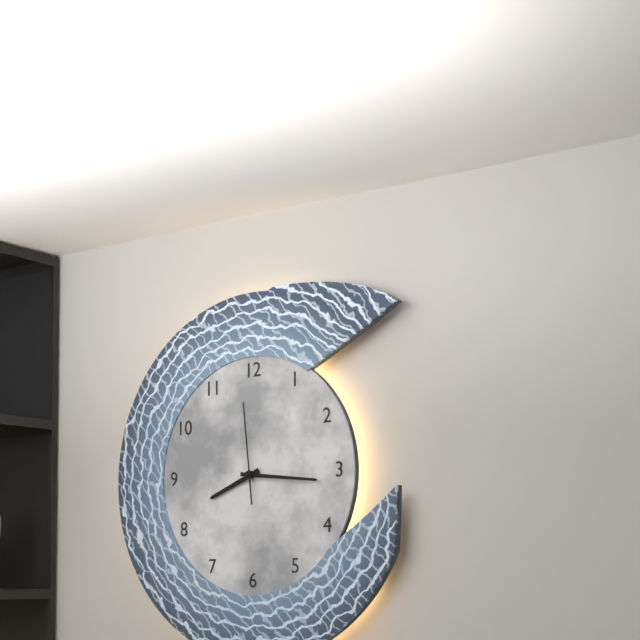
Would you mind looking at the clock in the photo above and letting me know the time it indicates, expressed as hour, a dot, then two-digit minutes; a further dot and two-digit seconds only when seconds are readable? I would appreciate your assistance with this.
8.16.59
